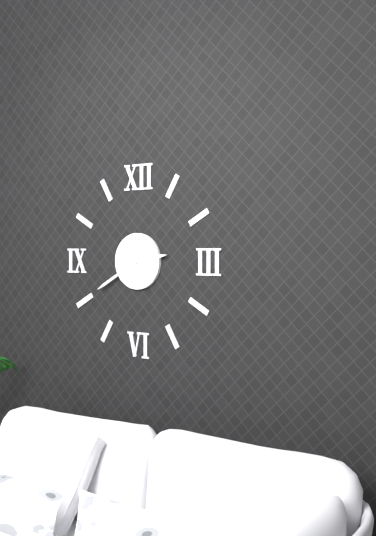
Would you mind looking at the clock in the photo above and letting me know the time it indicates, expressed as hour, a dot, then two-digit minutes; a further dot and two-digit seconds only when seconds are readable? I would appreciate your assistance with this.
2.40
